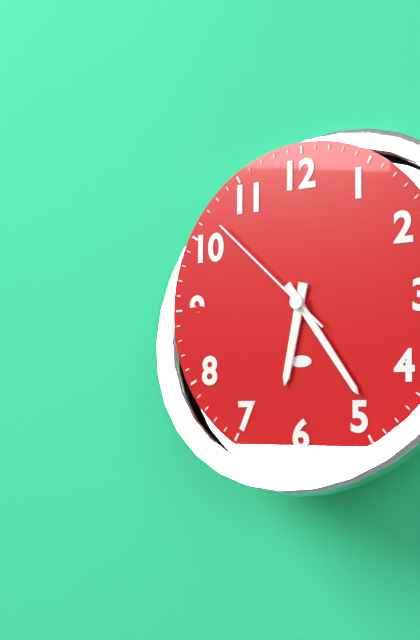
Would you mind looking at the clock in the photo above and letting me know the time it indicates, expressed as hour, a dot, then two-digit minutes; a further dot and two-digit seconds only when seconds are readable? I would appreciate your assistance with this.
6.24.52
